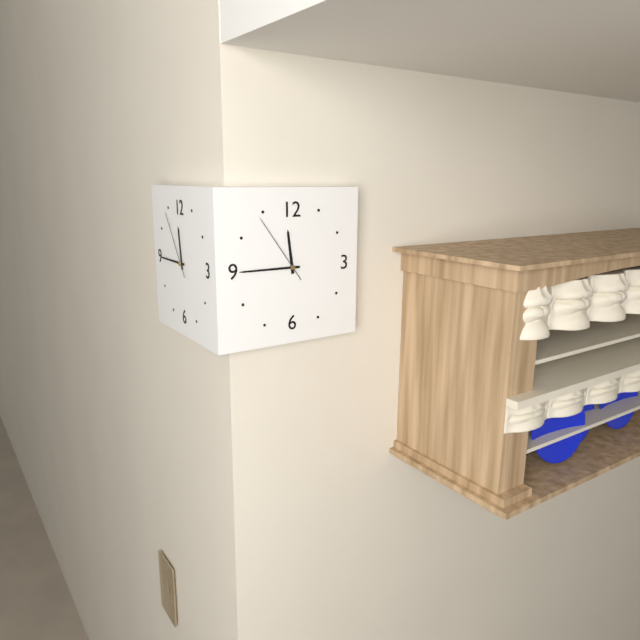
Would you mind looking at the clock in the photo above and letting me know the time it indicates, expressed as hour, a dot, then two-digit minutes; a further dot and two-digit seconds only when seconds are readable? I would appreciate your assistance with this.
11.45.54
